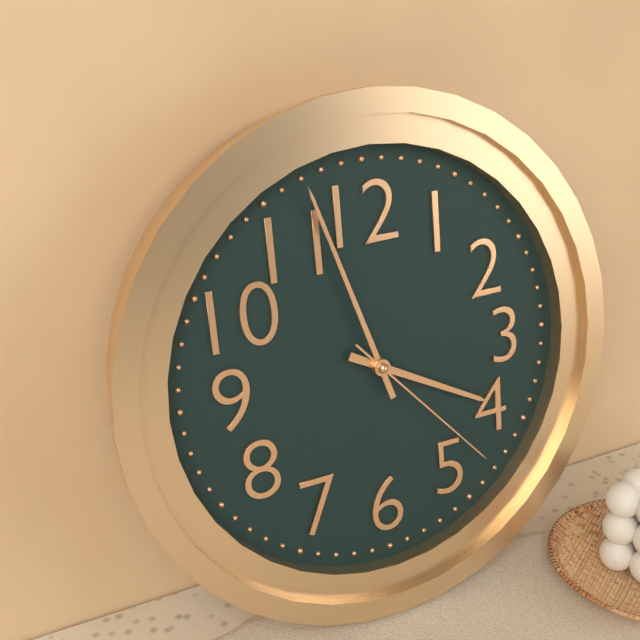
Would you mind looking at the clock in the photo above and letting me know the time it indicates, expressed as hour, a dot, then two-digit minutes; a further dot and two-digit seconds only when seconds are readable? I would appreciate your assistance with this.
3.57.23
